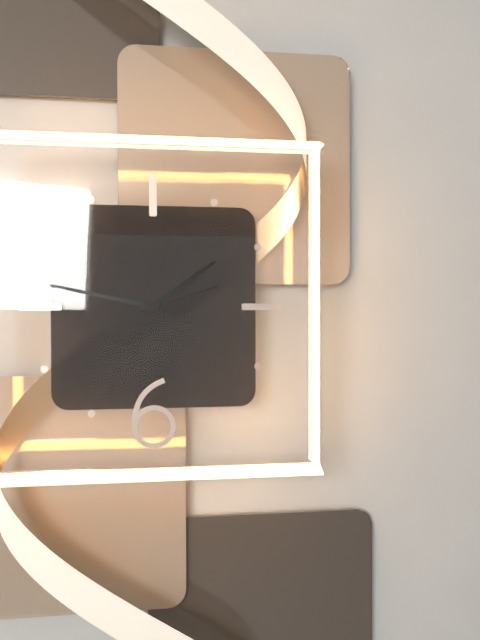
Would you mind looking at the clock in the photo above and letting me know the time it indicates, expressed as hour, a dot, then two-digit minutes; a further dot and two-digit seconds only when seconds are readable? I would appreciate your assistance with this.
1.47.12
